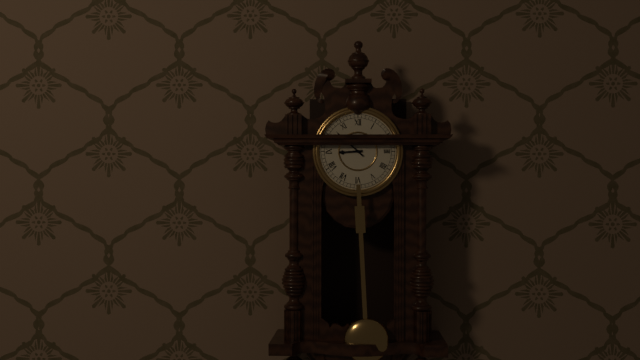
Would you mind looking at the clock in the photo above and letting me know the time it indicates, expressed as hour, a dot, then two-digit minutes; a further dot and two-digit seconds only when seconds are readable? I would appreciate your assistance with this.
8.52
